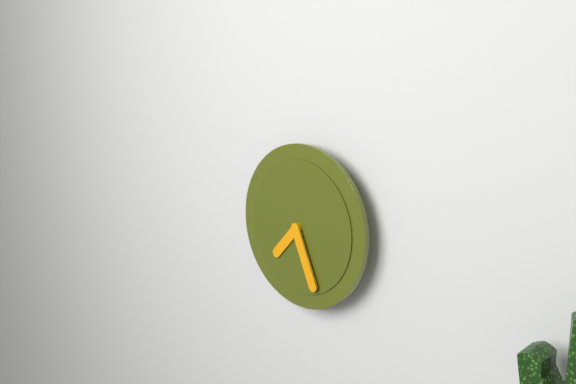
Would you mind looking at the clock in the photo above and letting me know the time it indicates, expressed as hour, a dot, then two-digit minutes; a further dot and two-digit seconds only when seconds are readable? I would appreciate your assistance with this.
7.26
